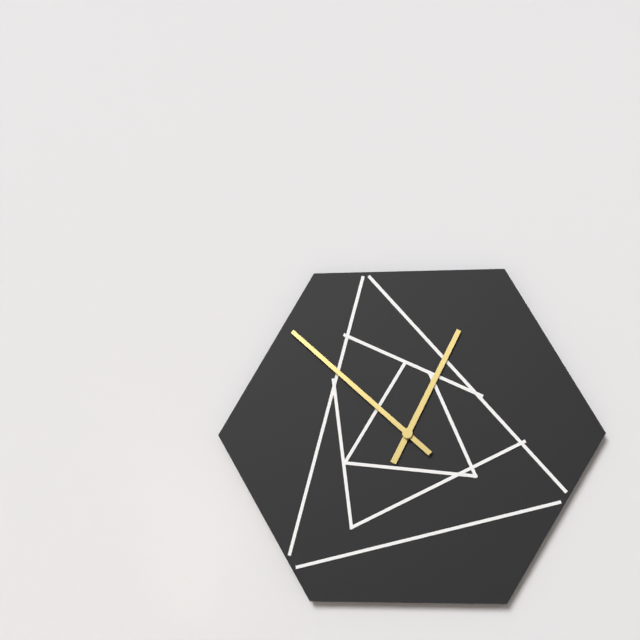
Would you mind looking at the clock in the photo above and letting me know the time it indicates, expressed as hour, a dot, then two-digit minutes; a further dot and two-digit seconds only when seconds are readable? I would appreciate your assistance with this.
12.52
